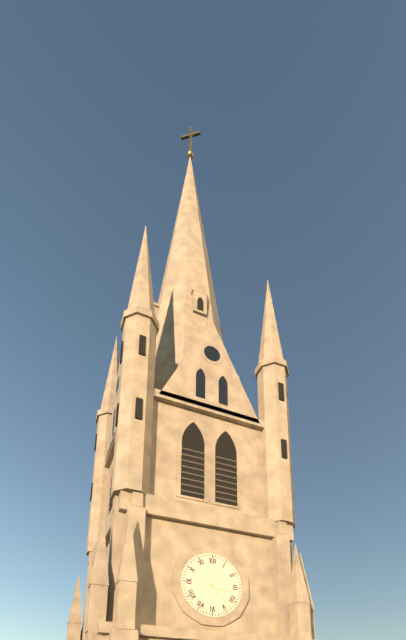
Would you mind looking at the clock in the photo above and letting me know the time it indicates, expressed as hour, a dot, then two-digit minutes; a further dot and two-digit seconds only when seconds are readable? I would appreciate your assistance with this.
3.23
